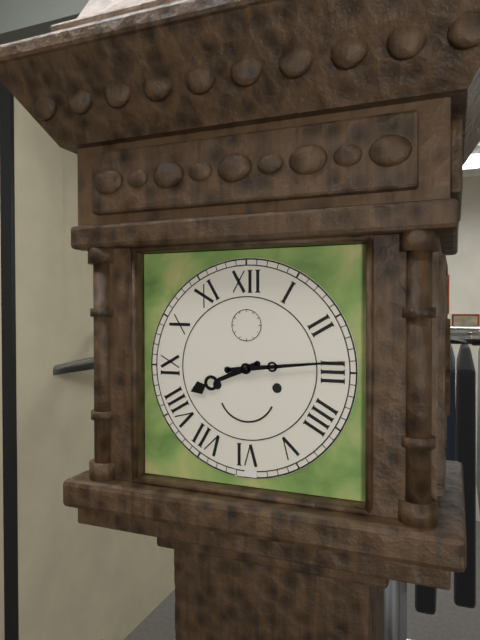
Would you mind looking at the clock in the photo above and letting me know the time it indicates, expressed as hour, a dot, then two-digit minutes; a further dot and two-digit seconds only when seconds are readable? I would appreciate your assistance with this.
8.14
